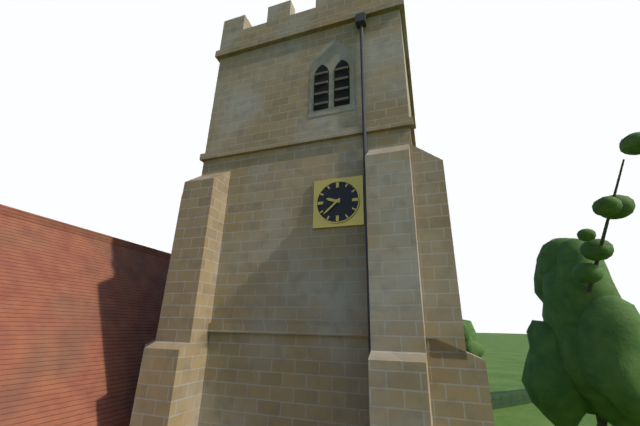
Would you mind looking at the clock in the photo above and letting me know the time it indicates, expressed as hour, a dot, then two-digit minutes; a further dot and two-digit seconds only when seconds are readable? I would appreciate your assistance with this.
9.38
